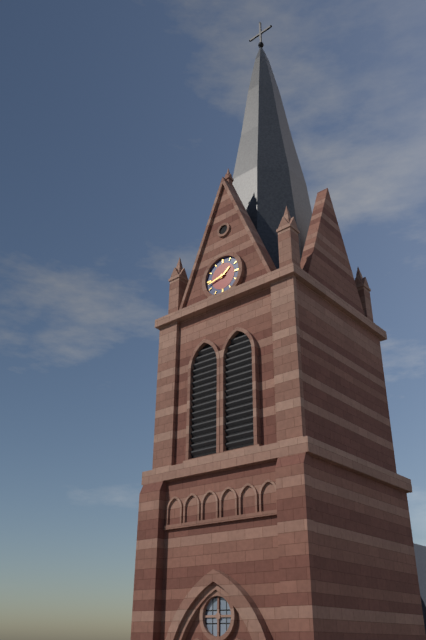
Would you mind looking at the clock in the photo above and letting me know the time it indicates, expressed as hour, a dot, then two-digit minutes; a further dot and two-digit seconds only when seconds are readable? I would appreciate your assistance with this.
1.43
